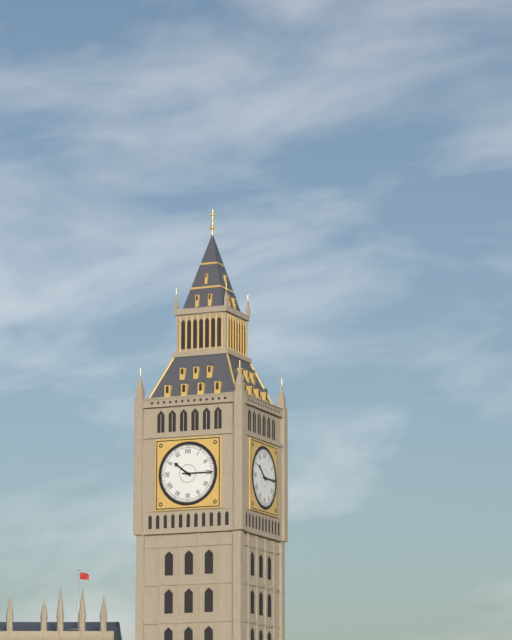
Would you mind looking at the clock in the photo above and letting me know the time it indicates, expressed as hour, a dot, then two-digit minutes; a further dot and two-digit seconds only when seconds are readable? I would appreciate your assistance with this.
10.15
